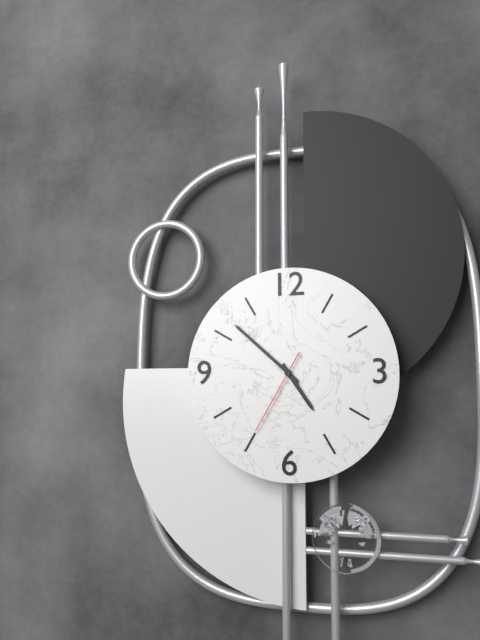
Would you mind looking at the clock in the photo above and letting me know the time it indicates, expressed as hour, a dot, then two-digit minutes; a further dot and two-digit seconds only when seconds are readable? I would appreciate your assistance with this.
4.52.35
